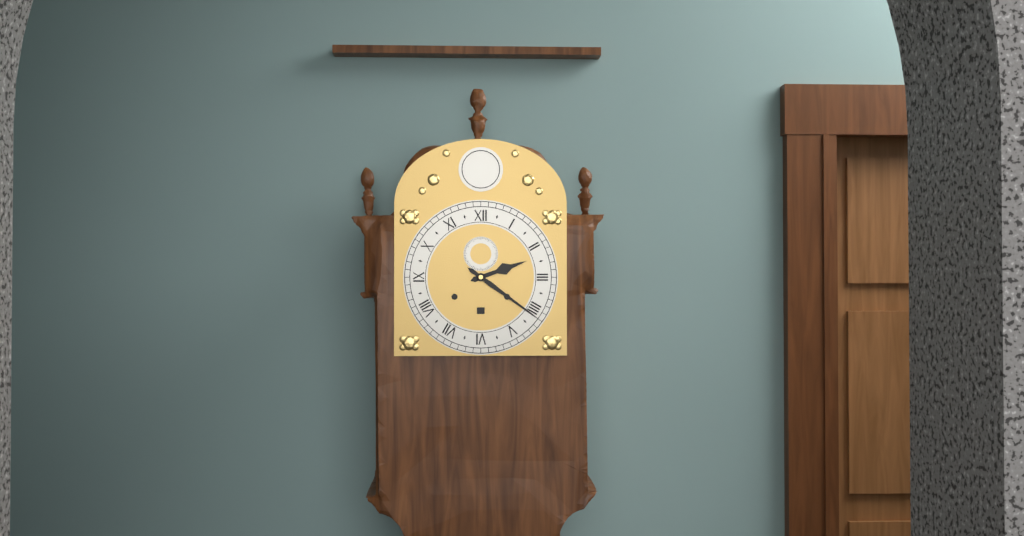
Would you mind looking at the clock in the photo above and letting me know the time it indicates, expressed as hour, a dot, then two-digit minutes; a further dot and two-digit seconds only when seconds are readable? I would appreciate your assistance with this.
2.21
